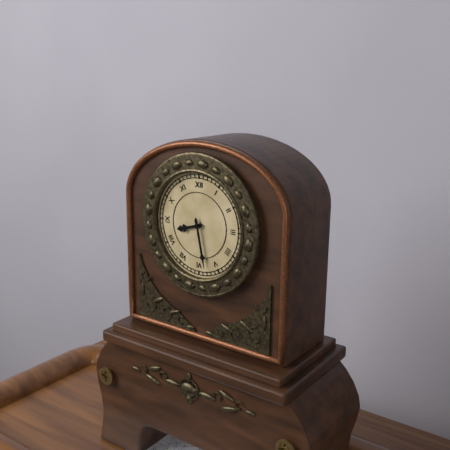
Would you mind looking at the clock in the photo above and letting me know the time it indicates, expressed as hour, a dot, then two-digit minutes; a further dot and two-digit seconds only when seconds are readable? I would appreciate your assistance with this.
8.28
